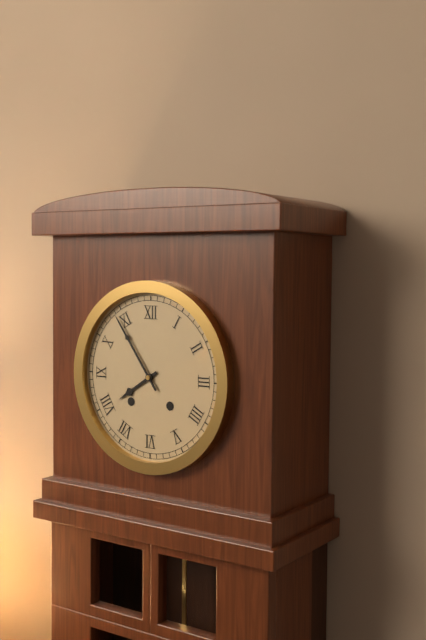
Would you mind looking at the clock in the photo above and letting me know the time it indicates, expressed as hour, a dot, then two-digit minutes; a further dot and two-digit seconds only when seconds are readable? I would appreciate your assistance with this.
7.54
